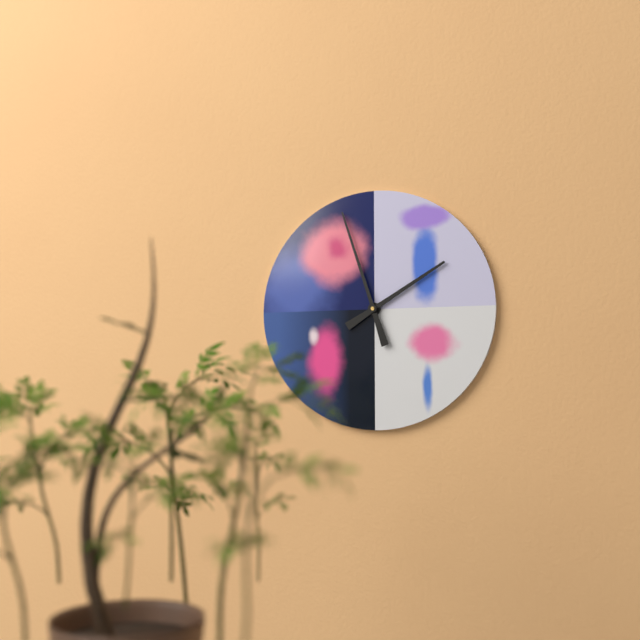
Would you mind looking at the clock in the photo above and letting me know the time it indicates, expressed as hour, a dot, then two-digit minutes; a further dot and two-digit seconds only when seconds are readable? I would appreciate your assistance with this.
1.57
